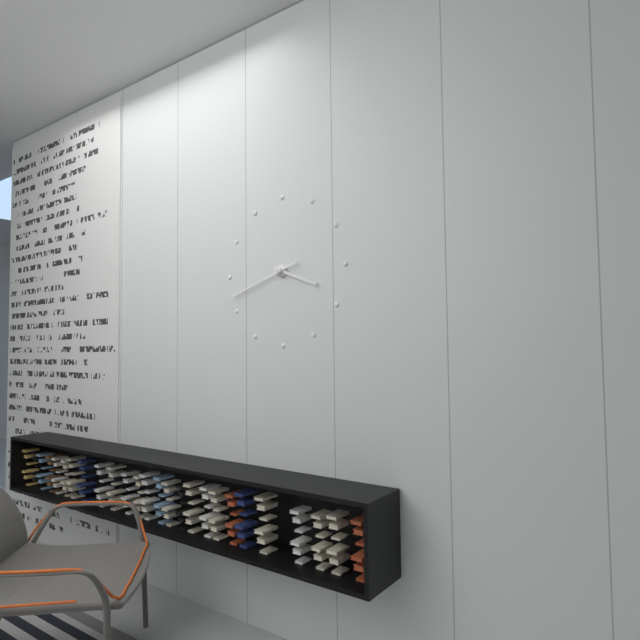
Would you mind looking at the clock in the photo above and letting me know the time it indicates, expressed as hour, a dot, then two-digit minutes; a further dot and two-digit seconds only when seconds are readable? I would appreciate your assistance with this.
3.42
